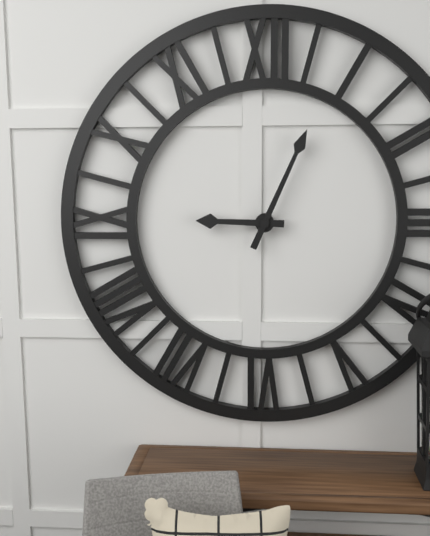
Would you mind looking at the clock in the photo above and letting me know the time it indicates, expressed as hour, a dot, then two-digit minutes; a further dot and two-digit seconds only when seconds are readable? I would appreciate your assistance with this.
9.04
